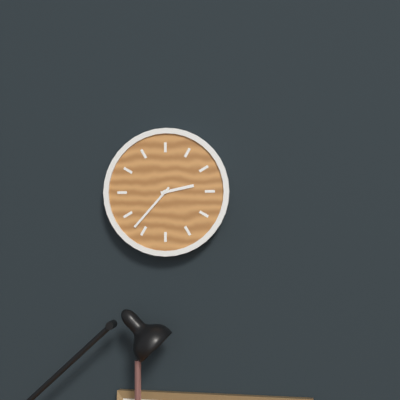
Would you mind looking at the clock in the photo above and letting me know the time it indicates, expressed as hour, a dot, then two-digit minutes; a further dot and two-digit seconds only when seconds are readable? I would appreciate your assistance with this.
2.37
